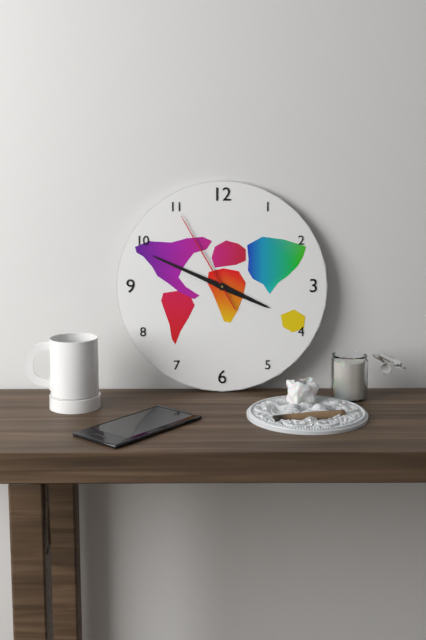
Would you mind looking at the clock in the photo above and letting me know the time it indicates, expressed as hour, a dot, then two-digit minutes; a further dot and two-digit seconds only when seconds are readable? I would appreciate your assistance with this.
3.49.55
